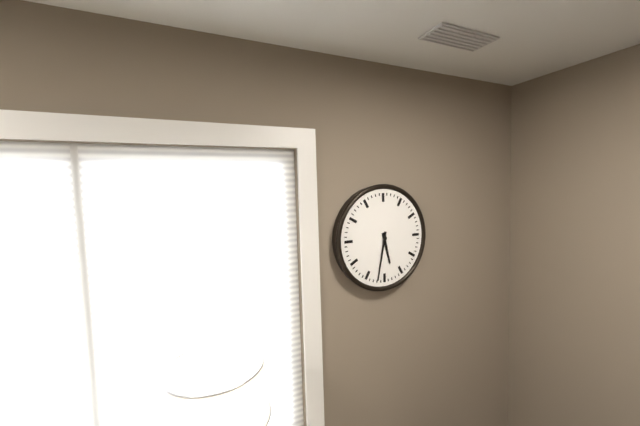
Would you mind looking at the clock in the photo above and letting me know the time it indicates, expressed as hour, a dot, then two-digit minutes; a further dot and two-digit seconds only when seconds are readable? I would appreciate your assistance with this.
5.32
